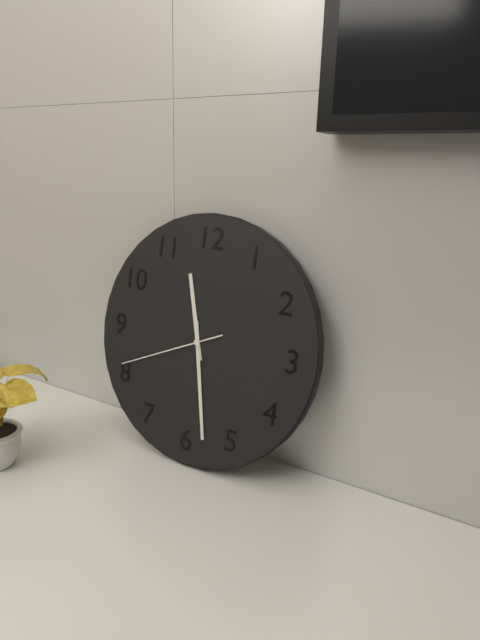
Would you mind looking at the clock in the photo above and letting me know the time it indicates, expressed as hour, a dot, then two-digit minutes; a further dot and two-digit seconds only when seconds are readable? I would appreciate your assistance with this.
11.28.41
